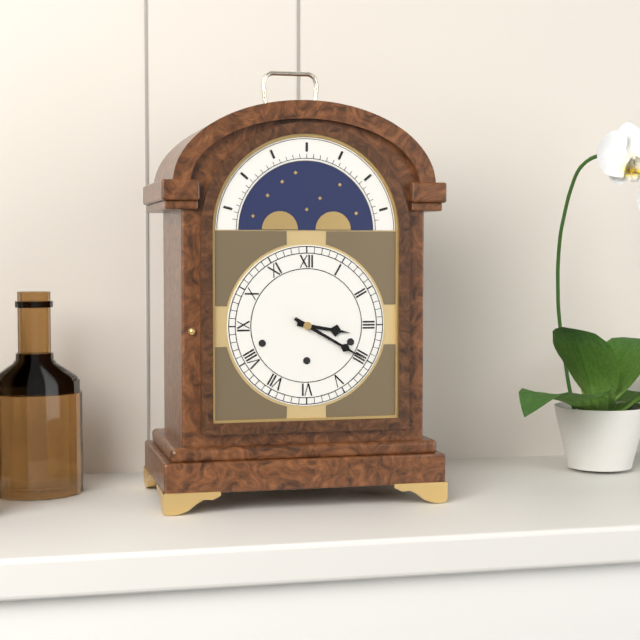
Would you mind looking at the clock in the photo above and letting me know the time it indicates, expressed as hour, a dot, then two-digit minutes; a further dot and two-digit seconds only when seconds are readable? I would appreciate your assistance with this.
3.20
